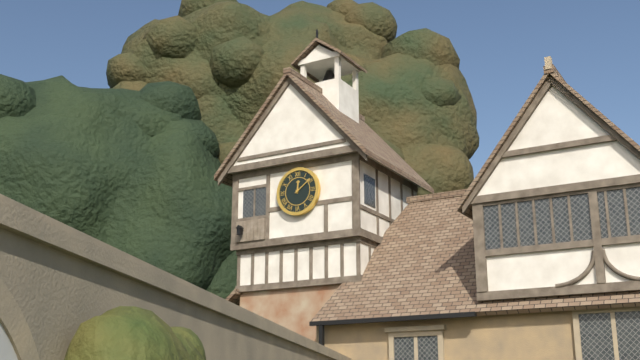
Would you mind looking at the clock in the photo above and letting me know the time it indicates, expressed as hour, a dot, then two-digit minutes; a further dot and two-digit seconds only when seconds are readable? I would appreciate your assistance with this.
12.09
